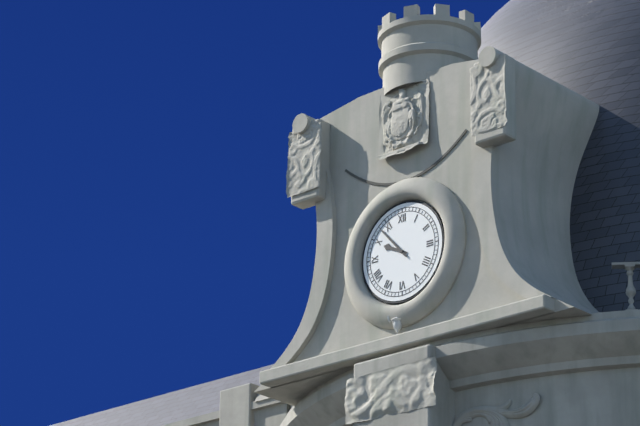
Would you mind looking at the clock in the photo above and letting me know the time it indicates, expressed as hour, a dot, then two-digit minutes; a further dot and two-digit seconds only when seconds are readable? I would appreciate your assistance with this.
9.53
